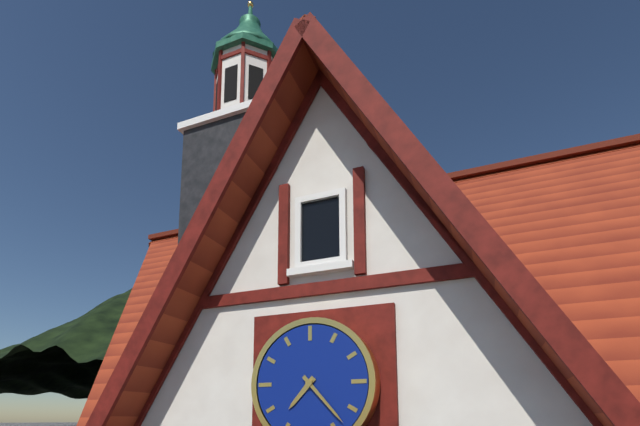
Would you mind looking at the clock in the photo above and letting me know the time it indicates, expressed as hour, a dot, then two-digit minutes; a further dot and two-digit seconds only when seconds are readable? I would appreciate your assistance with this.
7.23
